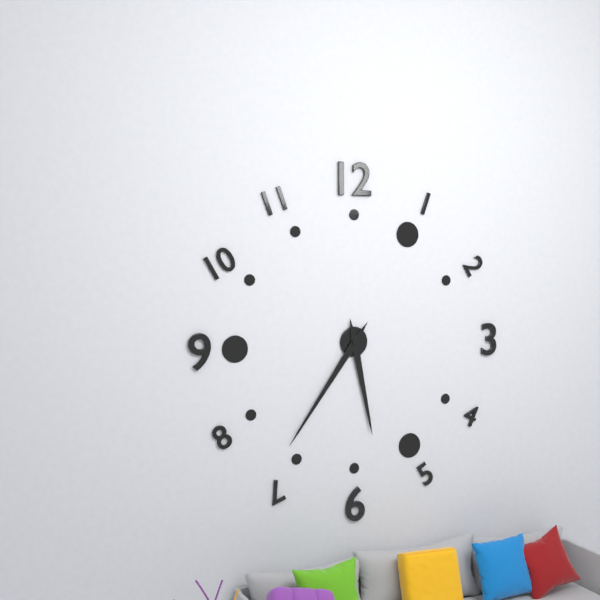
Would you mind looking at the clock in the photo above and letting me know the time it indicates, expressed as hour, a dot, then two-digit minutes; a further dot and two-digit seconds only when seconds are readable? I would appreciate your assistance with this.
5.36
